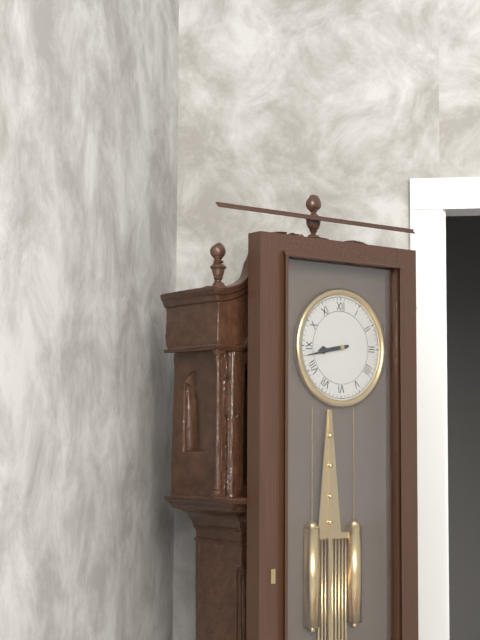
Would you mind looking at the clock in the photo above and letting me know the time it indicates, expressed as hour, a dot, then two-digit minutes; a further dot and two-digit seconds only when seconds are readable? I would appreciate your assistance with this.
8.43
